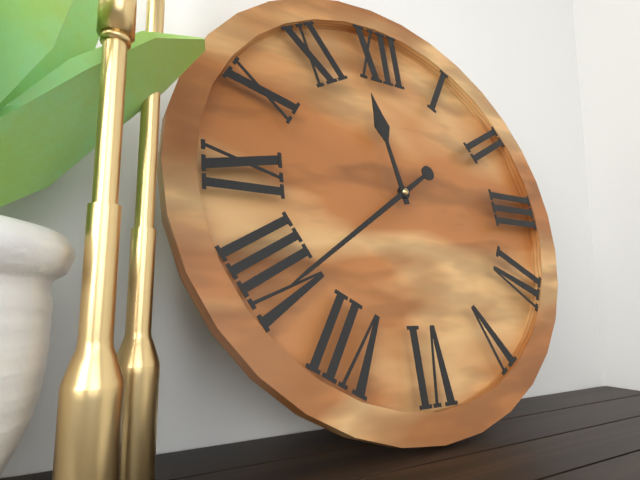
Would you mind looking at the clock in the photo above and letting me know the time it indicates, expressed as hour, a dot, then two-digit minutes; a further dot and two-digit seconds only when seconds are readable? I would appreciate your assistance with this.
11.39
